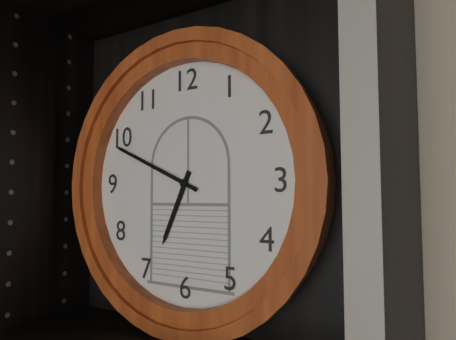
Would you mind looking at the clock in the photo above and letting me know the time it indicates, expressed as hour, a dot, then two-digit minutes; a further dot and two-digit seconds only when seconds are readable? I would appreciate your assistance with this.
6.49
